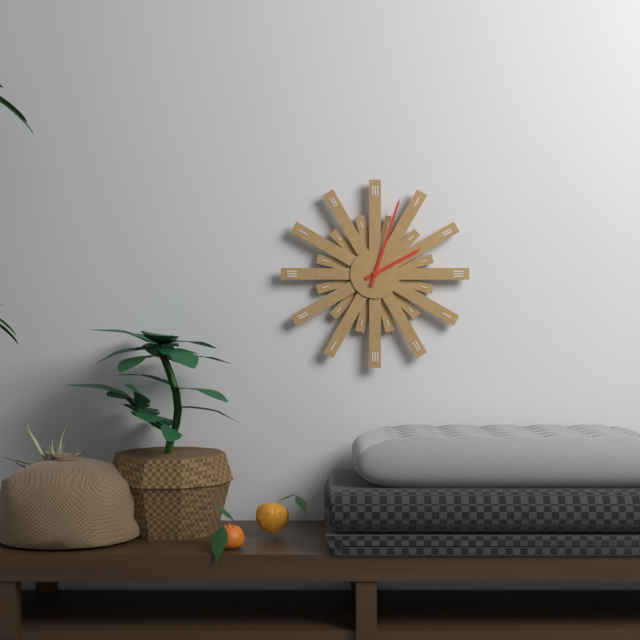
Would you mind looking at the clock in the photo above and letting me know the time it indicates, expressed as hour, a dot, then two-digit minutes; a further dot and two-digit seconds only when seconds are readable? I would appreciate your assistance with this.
2.03
